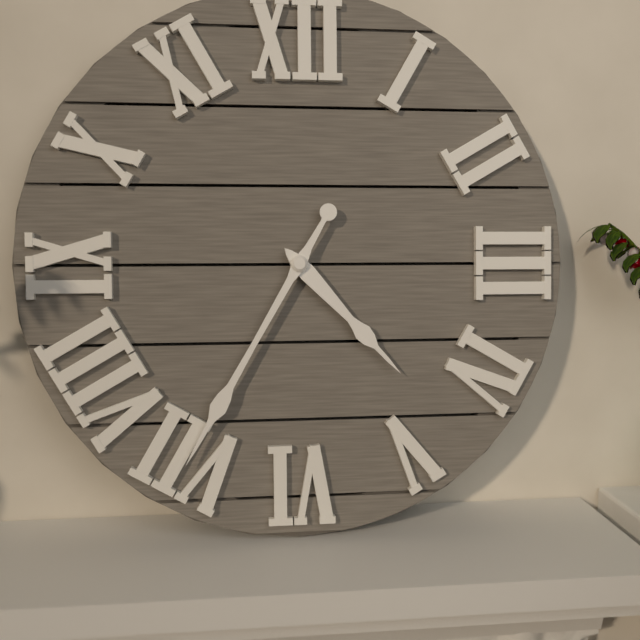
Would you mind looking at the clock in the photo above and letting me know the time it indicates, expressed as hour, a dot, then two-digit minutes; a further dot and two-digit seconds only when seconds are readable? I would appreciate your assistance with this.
4.35
